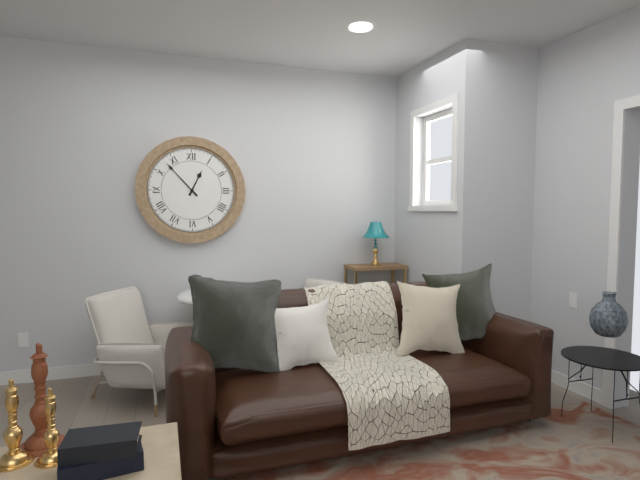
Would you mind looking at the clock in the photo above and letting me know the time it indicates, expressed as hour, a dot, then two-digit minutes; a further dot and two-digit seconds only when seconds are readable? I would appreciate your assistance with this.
12.53
